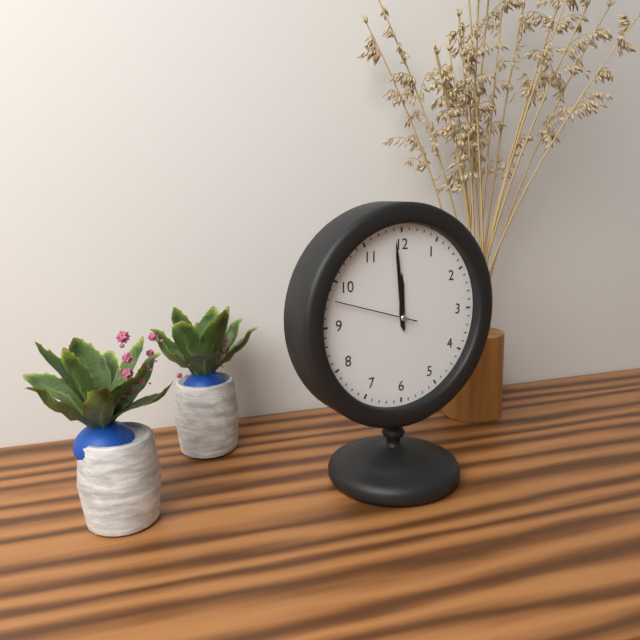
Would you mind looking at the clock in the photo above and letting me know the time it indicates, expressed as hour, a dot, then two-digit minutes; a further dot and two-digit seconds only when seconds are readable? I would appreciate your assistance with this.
11.59.48
